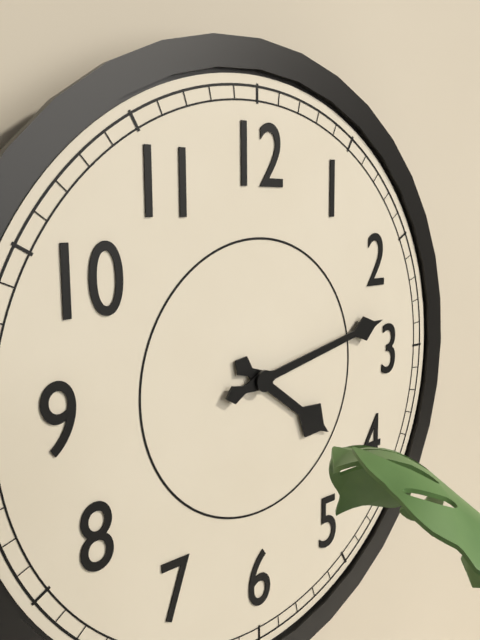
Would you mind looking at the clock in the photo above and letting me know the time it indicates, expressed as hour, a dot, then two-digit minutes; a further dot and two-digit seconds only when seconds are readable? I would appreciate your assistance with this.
4.13
